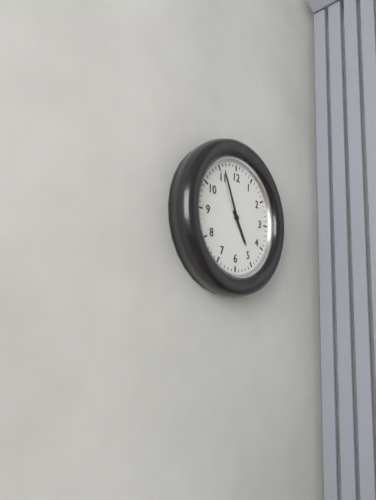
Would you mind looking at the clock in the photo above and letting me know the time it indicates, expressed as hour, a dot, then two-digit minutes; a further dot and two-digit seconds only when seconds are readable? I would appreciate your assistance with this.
4.56
